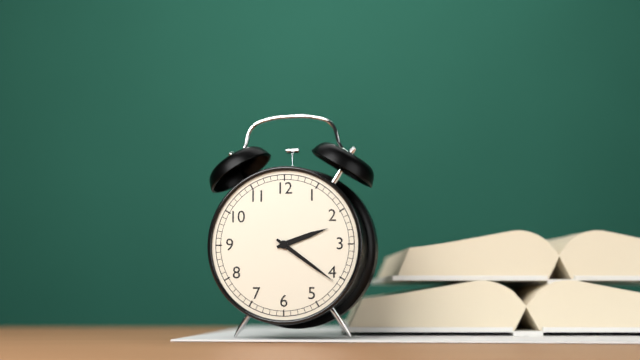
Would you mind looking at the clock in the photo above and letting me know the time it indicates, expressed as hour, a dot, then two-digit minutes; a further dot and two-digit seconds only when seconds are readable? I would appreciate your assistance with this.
2.21
